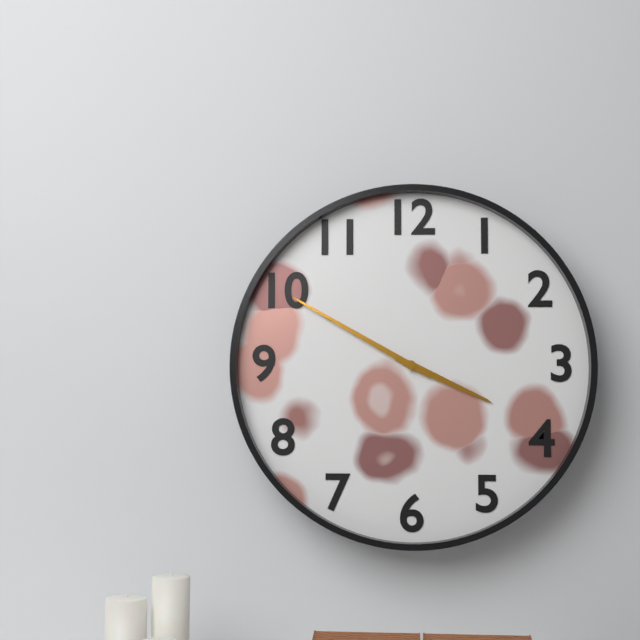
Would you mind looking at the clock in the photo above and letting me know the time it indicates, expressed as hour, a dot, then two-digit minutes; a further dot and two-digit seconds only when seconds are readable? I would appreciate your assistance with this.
3.50
